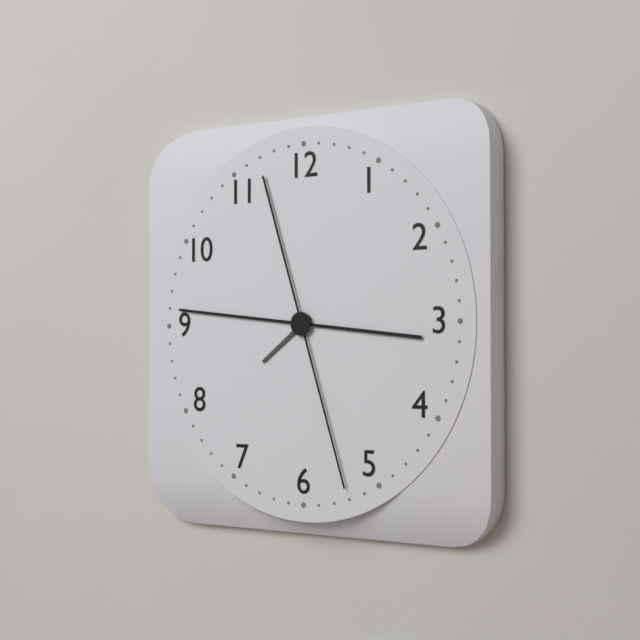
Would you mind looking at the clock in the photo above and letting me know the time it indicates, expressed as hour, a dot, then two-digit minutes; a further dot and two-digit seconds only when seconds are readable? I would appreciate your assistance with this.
7.46.27
